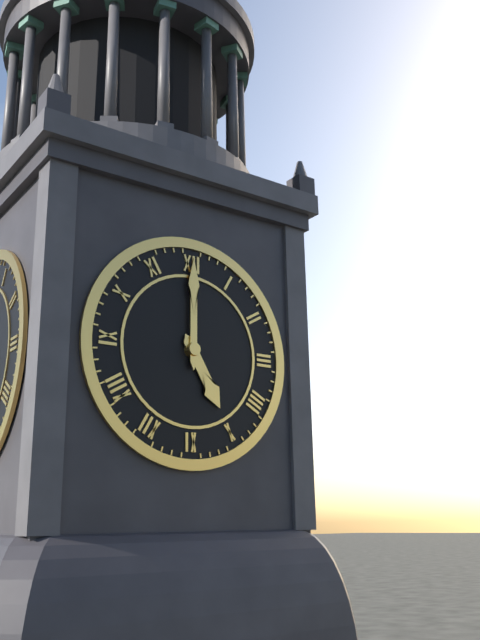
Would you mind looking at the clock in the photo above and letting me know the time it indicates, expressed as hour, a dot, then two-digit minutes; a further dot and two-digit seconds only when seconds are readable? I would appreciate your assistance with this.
5.00
